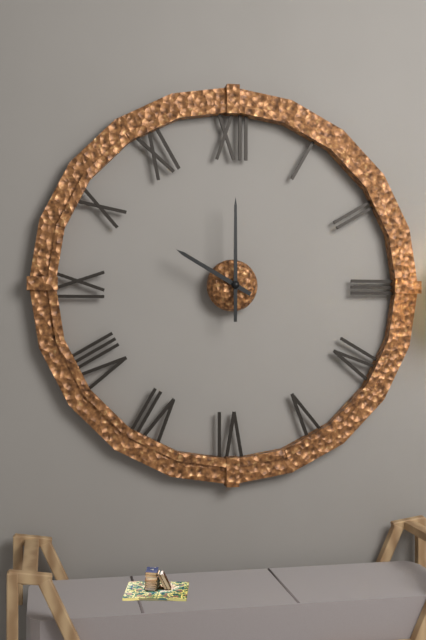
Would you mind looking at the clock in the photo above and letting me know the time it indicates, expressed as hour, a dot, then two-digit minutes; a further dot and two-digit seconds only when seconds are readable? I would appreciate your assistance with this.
10.00
